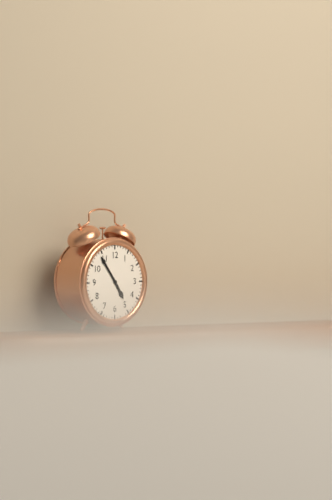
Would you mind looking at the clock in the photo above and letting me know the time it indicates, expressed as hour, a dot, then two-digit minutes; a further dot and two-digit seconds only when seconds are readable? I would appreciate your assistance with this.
4.54
